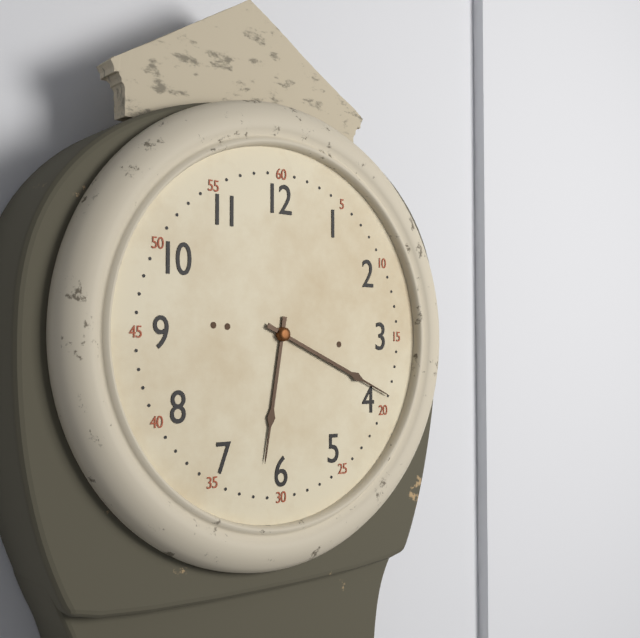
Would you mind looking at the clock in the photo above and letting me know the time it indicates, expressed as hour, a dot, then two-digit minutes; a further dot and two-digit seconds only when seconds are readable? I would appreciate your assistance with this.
6.19
